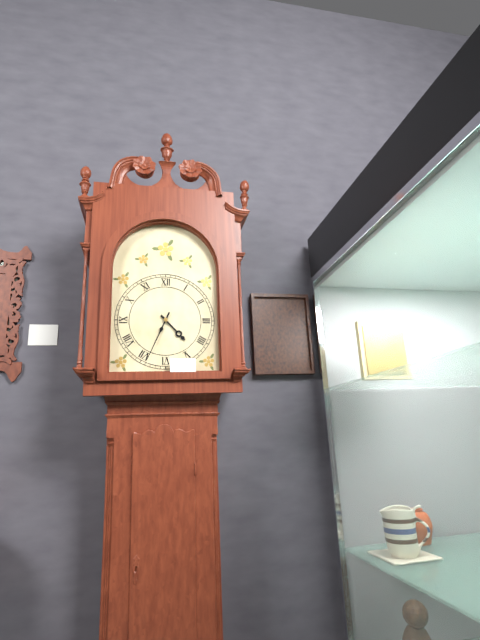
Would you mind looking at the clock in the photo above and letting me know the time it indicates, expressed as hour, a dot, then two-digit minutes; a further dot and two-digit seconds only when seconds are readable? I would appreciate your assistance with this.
4.34
